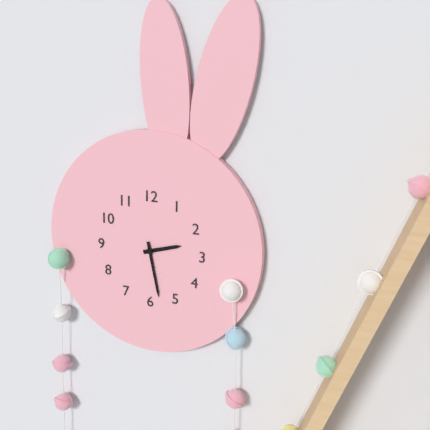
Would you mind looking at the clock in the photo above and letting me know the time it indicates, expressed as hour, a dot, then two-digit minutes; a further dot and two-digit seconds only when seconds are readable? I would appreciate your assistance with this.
2.28
